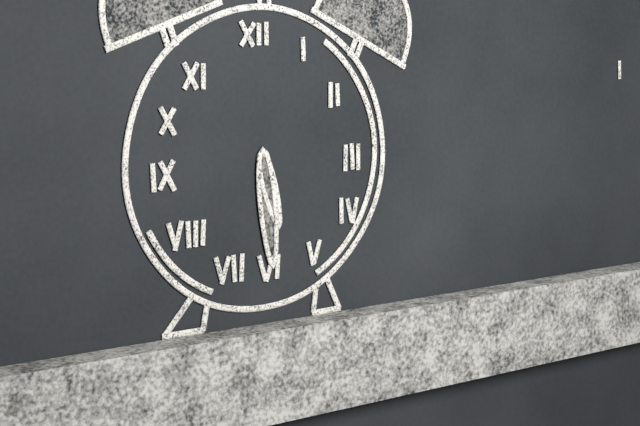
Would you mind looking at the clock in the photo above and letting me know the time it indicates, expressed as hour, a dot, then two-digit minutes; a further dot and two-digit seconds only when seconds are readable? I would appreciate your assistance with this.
5.29
